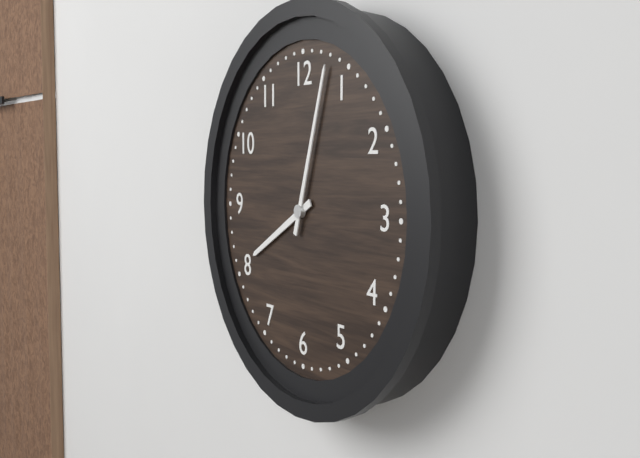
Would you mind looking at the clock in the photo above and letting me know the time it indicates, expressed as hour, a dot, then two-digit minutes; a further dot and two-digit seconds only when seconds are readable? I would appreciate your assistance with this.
8.03
